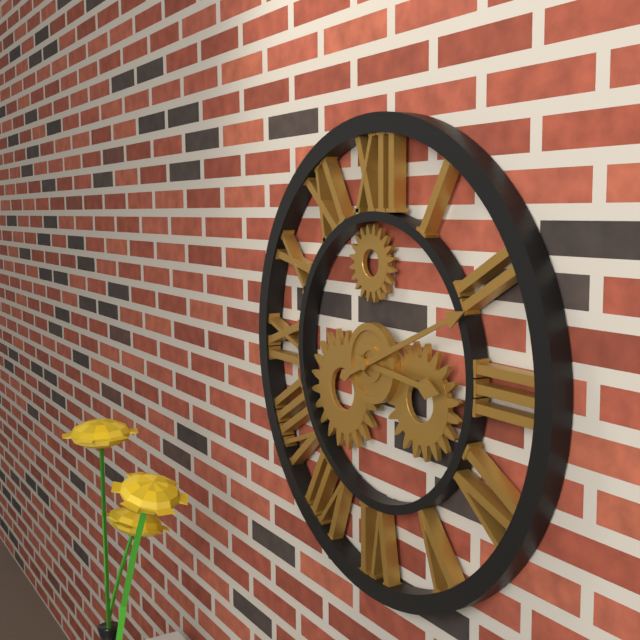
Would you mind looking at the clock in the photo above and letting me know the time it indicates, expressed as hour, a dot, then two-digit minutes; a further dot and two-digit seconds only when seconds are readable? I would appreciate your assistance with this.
3.11
